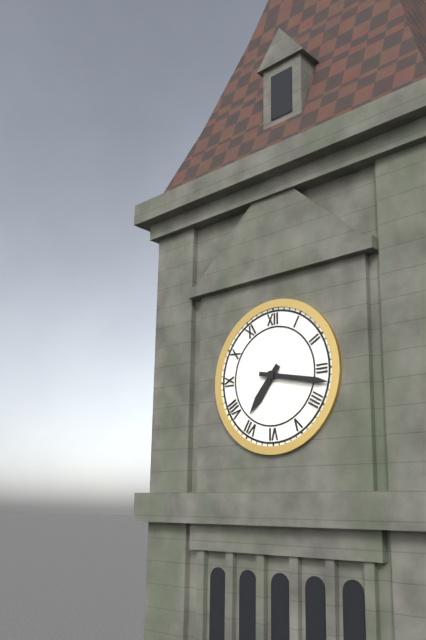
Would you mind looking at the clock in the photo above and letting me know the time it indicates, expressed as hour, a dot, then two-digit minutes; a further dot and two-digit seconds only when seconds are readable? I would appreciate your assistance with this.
7.17
